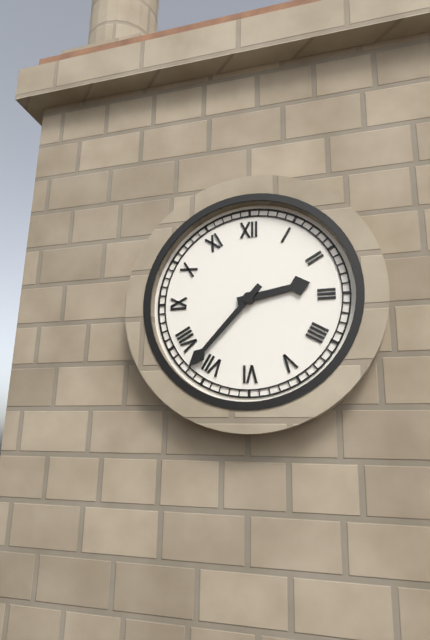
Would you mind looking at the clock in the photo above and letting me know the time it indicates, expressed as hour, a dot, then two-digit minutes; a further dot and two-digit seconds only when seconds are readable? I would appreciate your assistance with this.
2.37
